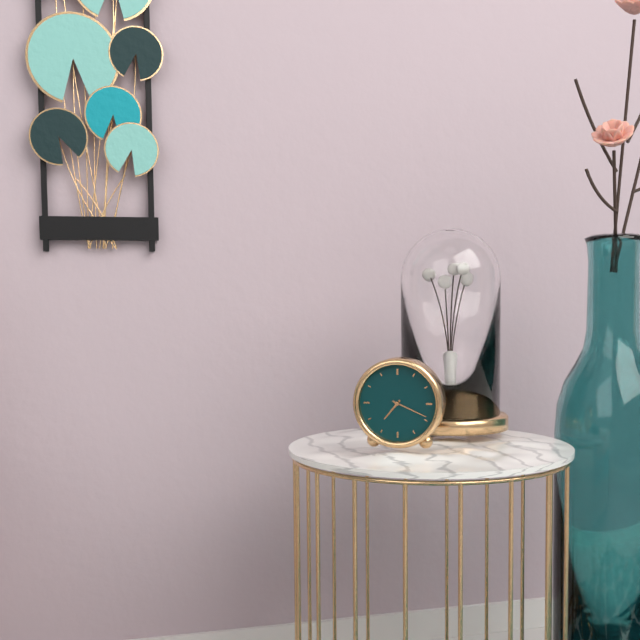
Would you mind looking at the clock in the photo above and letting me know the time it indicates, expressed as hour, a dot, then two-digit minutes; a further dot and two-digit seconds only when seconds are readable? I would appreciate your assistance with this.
7.19
